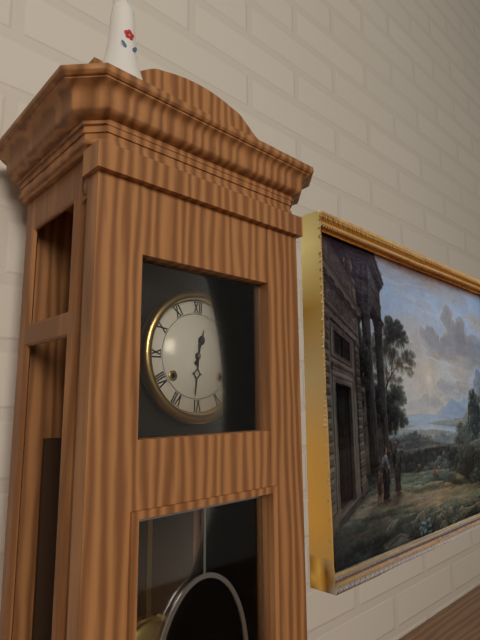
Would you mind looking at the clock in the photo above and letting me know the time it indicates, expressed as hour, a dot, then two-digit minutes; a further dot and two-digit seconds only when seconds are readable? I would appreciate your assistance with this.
12.31
